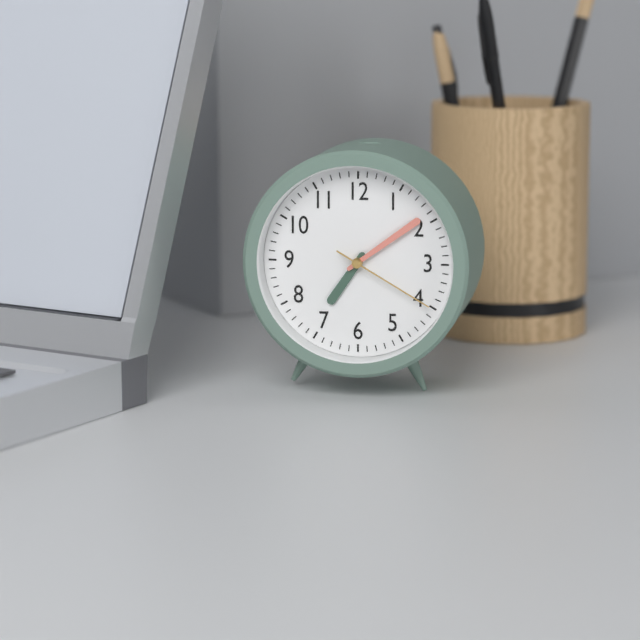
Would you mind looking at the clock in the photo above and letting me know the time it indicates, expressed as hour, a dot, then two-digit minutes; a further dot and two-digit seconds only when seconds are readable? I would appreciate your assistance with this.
7.09.20
